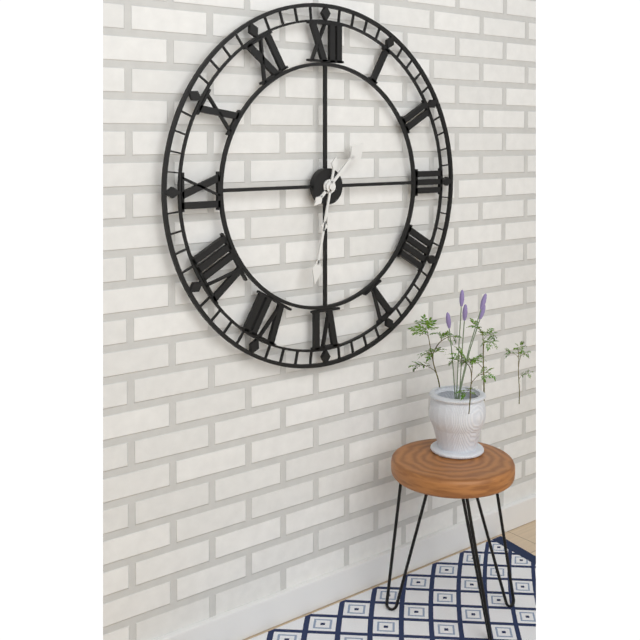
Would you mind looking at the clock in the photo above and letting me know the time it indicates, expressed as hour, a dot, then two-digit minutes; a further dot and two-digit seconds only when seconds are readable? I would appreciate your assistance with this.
1.32
